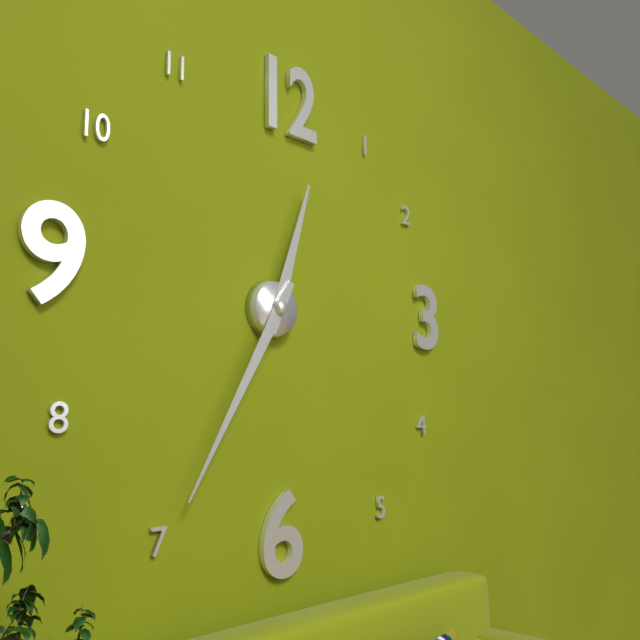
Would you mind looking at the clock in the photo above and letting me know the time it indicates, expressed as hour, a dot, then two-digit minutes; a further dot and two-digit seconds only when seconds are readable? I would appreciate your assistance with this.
12.35
